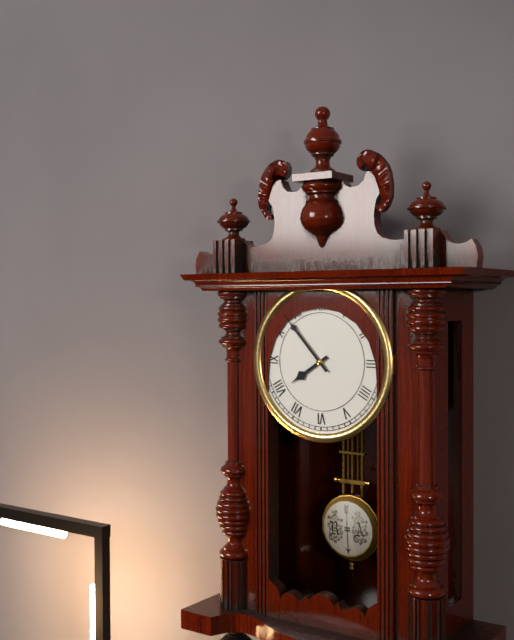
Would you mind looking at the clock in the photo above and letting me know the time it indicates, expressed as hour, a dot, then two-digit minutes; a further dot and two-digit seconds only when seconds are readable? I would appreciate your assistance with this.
7.53
